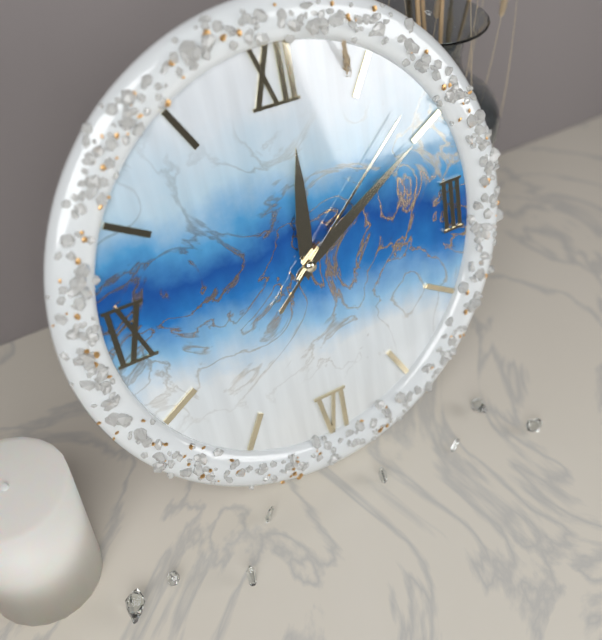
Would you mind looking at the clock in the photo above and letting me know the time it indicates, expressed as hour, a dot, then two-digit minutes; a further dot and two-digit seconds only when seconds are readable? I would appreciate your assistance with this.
12.10.08
